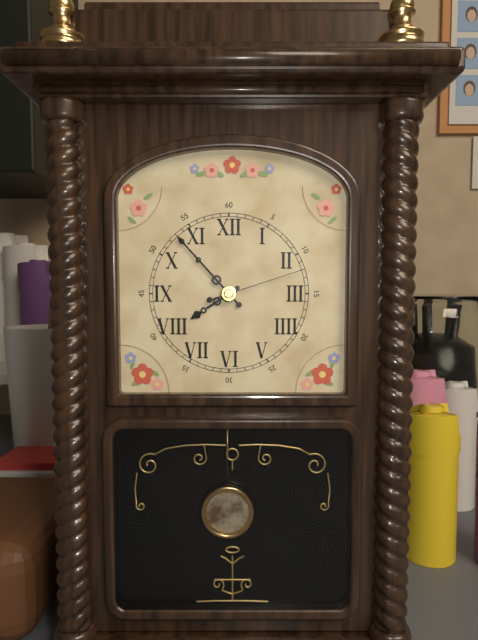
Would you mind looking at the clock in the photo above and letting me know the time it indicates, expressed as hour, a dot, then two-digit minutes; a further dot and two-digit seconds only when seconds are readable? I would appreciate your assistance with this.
7.53.12
